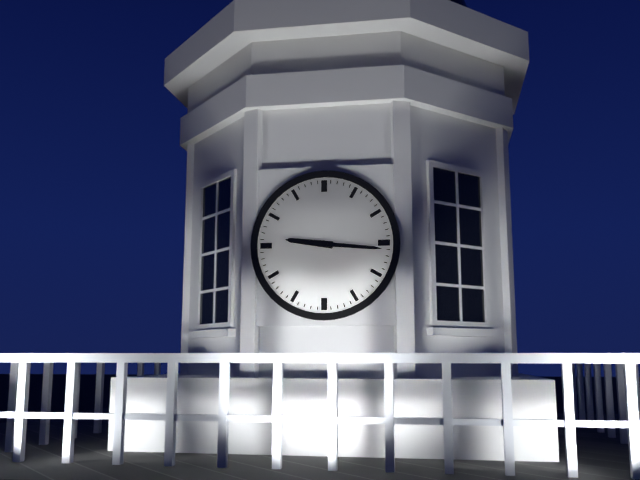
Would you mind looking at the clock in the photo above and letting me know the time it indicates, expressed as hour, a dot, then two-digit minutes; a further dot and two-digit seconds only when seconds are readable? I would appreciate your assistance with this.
9.16
